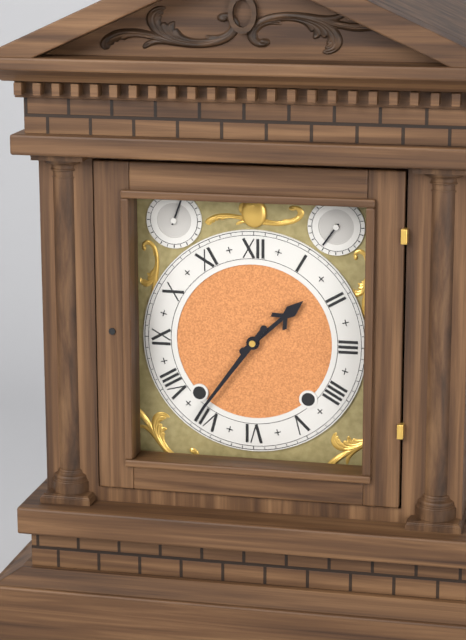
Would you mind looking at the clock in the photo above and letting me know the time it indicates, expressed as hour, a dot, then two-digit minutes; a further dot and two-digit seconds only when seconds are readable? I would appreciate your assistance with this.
1.36
